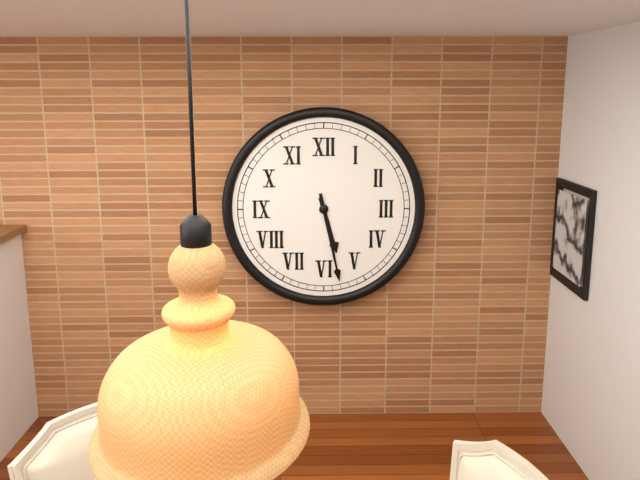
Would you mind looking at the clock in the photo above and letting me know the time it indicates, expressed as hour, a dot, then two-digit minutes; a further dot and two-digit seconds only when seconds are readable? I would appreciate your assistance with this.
5.28
